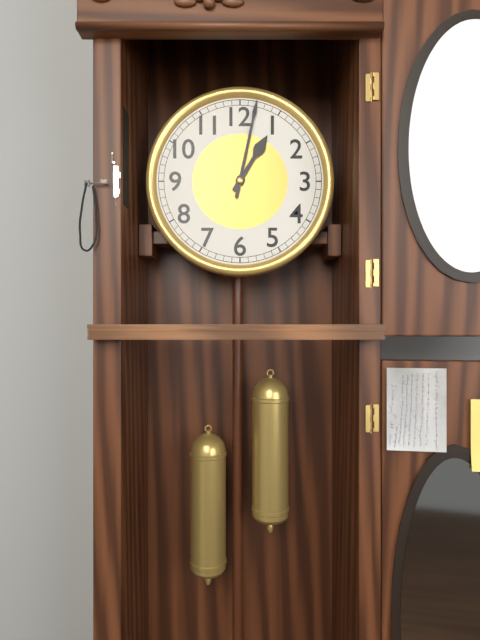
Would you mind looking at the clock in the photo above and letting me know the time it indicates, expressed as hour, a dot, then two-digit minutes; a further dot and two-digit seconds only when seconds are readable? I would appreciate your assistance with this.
1.02
